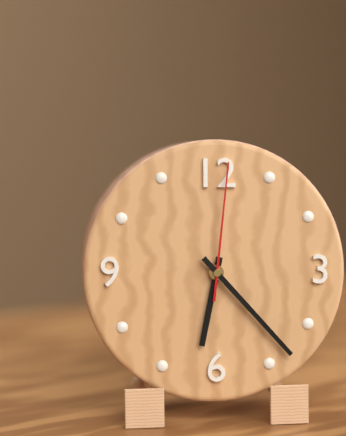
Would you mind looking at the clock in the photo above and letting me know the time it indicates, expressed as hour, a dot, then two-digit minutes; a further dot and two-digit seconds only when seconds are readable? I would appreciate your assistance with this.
6.23.01
